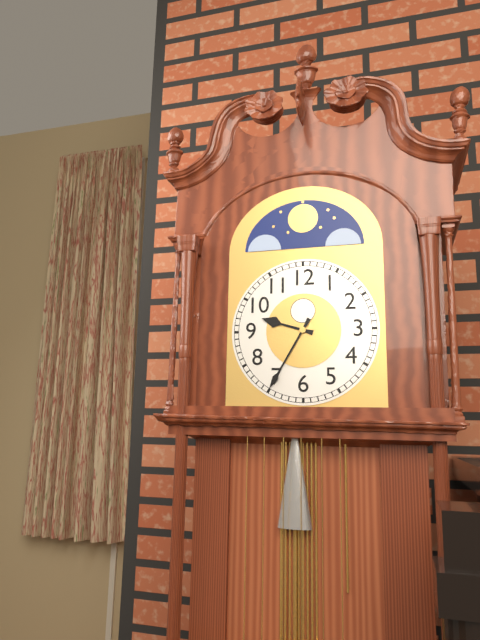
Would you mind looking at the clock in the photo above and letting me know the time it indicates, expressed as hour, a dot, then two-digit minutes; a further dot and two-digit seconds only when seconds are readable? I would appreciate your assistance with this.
9.35
